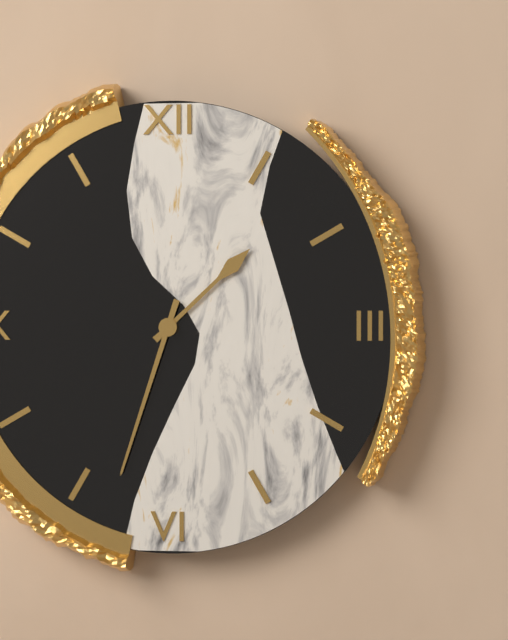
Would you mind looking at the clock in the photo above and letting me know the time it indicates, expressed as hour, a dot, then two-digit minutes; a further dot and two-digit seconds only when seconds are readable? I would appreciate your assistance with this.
1.33
